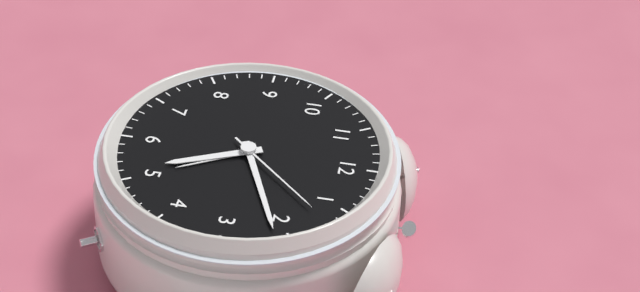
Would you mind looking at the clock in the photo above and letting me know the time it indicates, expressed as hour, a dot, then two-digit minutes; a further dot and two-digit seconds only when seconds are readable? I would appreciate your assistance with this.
5.11.07
